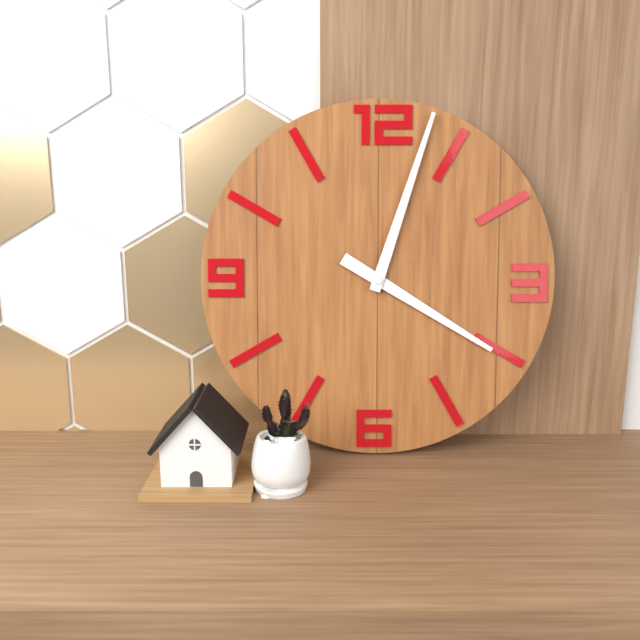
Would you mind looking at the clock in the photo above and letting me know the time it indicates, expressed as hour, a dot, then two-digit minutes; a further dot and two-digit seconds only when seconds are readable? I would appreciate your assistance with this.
4.03
